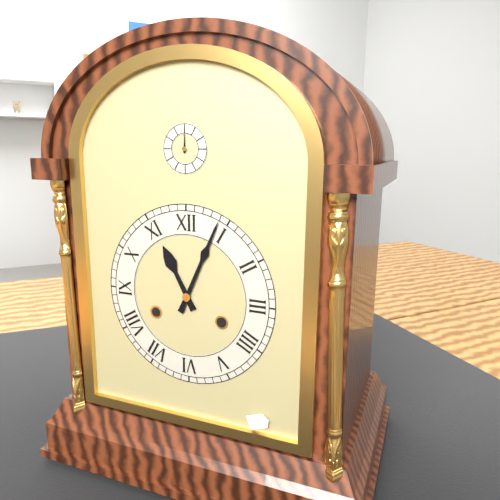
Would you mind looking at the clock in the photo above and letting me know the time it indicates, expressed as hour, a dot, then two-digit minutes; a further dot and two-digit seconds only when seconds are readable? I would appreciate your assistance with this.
11.04
